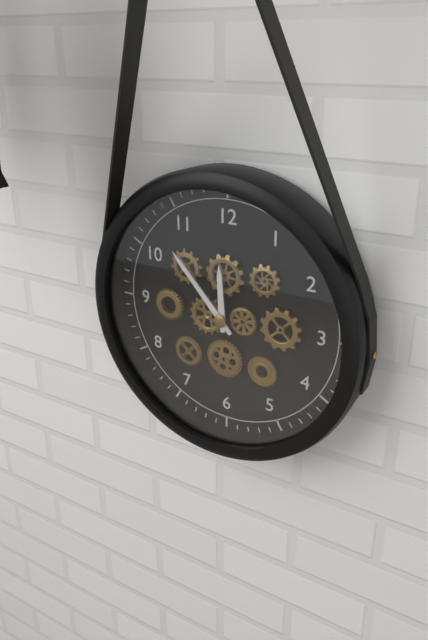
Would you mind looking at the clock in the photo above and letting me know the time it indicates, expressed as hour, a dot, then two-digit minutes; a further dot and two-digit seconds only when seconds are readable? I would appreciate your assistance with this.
11.53
